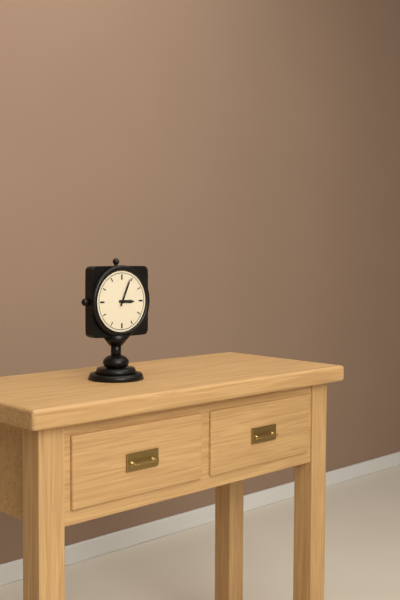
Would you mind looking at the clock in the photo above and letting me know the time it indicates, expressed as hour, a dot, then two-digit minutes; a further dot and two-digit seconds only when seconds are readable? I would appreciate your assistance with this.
3.04
